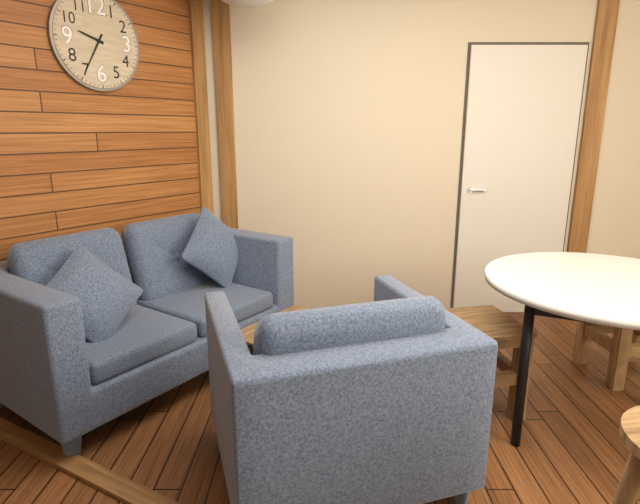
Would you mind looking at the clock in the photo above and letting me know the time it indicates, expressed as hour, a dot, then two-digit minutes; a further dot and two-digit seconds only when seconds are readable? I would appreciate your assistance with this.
9.35
